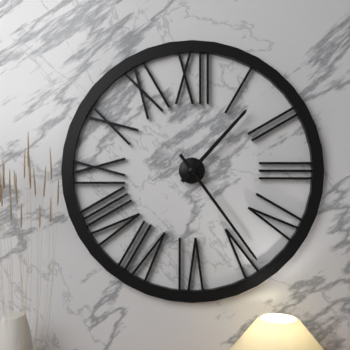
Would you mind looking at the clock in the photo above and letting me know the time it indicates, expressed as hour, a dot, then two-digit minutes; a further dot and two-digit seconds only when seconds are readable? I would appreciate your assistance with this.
1.24
